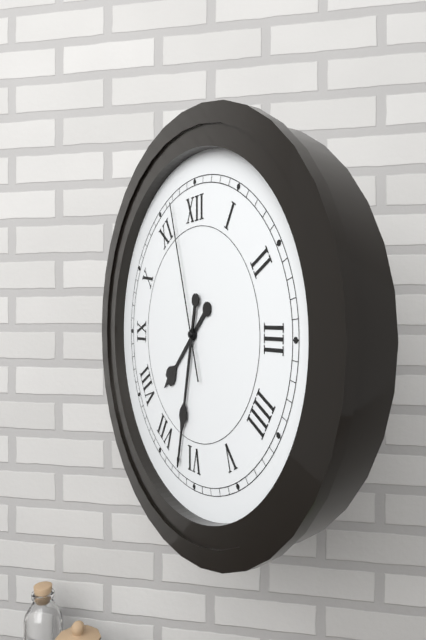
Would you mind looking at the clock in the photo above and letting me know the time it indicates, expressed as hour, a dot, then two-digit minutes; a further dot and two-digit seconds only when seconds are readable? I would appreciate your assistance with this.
7.32.57
